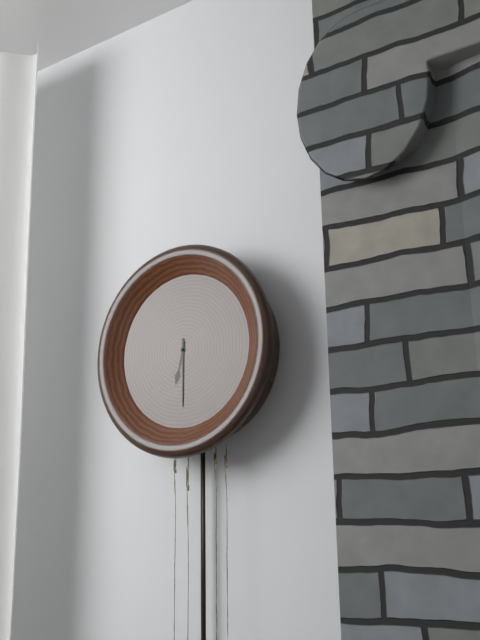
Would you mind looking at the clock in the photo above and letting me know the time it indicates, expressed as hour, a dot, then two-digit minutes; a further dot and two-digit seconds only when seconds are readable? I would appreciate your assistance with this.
6.30
